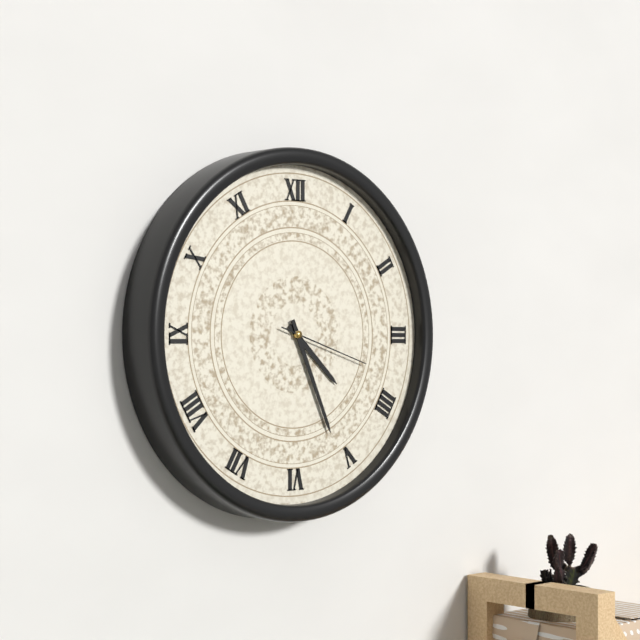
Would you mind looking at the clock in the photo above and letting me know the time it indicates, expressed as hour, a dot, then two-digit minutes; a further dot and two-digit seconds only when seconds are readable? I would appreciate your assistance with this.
4.26.18
